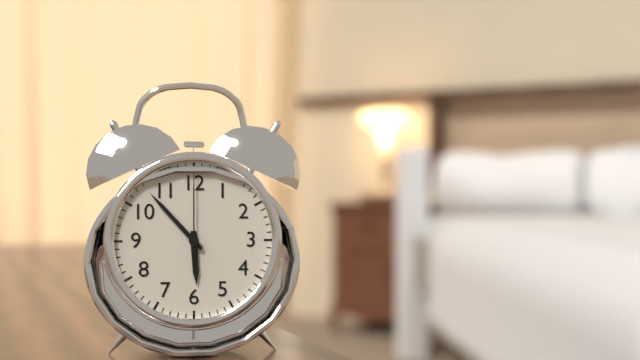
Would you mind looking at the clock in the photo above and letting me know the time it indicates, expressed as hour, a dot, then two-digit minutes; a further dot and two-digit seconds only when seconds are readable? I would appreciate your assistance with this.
5.53.00
